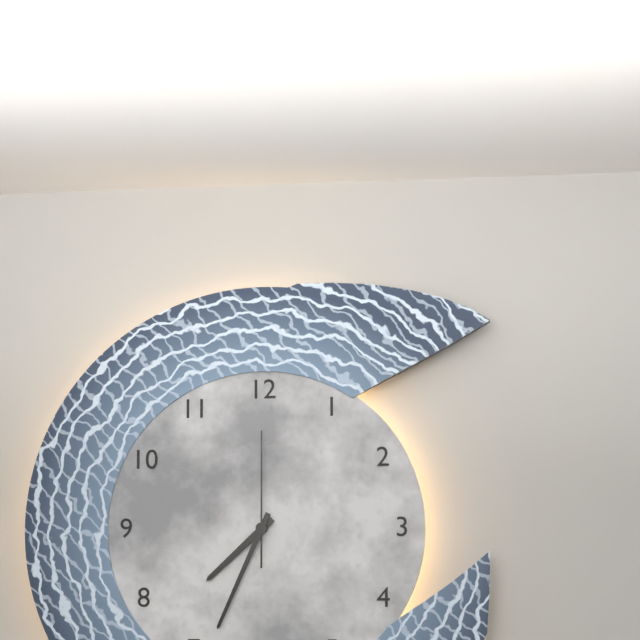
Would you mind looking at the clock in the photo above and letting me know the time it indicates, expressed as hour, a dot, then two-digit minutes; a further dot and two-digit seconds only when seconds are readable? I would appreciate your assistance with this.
7.34.00
